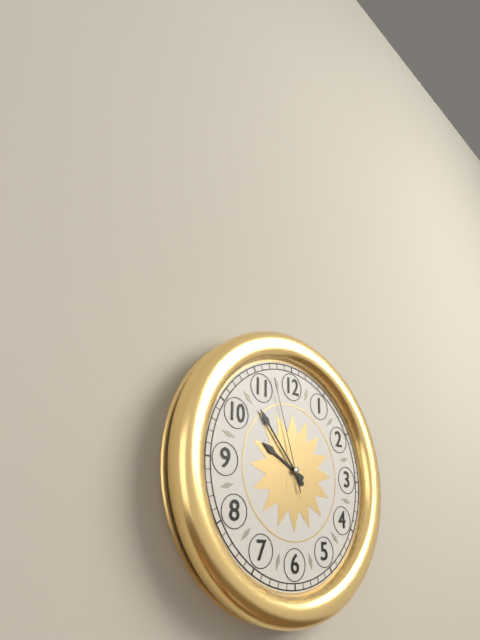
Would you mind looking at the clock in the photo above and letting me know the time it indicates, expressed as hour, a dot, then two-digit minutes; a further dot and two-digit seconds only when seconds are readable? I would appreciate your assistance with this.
9.53.57
